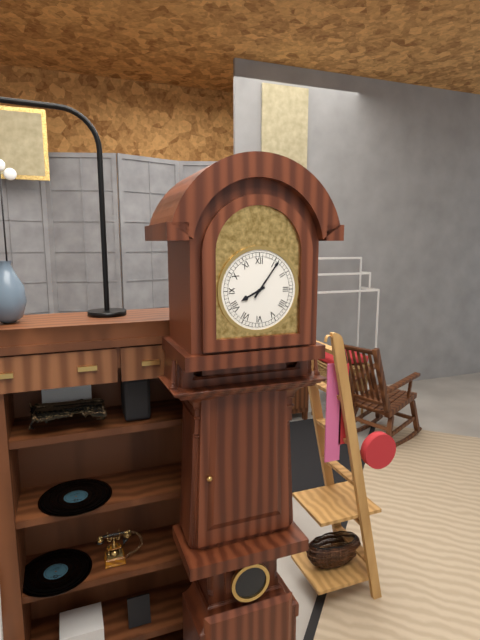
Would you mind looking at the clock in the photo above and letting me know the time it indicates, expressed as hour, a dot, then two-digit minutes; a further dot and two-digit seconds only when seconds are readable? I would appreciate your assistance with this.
8.06
